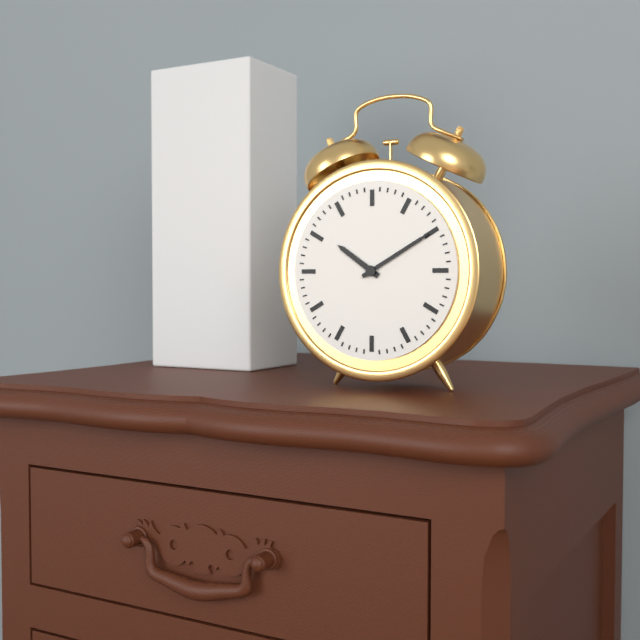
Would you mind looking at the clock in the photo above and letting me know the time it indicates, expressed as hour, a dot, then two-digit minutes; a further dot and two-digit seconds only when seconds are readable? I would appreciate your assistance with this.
10.10
